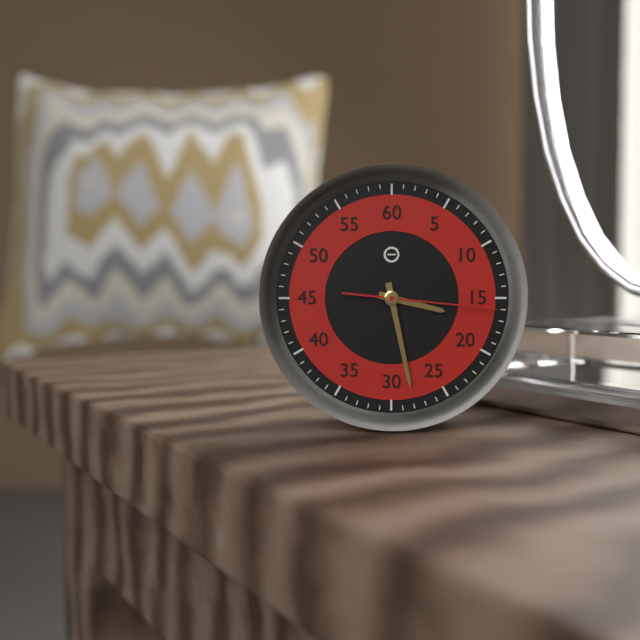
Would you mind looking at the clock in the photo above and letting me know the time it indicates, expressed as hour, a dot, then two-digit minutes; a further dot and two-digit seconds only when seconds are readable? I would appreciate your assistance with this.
3.28.16
